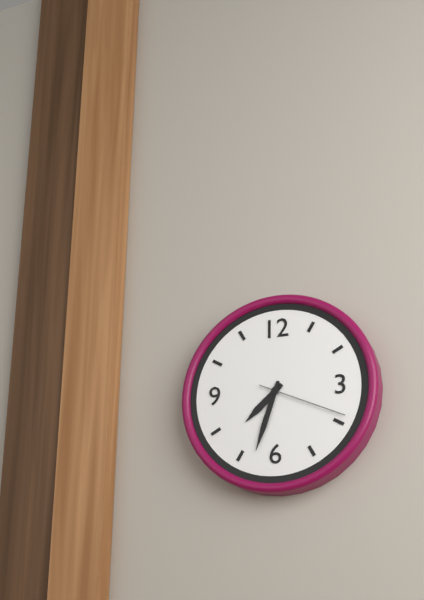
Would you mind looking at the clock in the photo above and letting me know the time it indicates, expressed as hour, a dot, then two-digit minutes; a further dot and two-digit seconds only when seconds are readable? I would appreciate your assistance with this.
7.33.19
